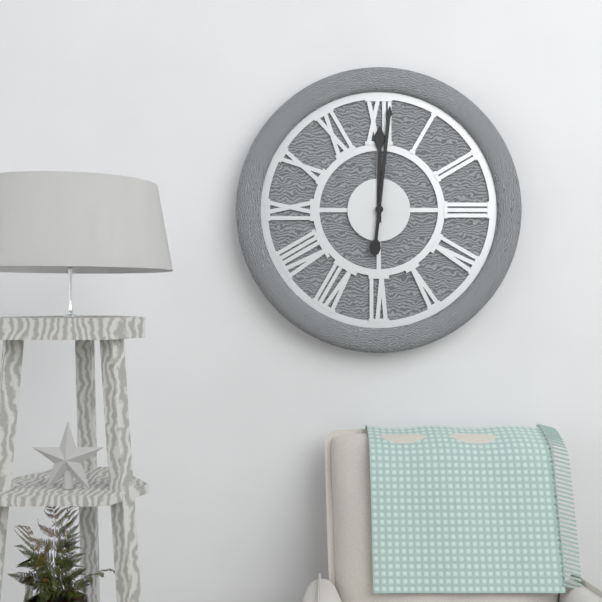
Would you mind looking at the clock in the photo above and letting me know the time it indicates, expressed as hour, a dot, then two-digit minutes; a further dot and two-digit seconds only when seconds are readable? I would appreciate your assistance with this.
12.01
